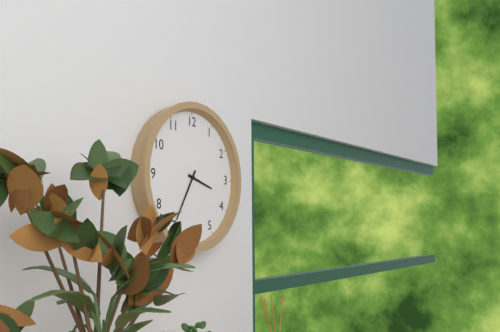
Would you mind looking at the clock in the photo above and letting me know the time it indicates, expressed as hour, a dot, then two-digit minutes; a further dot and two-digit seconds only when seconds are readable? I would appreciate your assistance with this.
3.35
